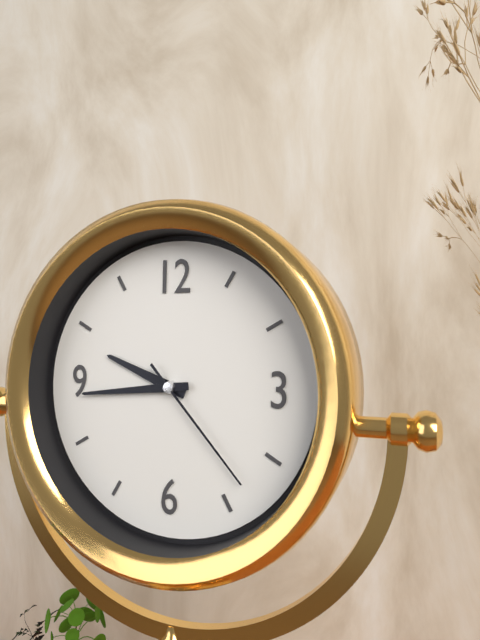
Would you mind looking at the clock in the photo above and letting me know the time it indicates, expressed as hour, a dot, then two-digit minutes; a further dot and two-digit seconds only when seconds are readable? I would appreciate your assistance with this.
9.44.23
